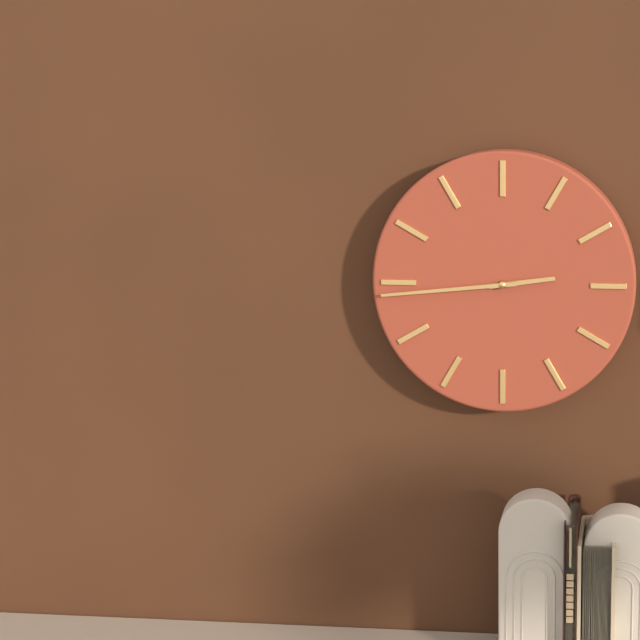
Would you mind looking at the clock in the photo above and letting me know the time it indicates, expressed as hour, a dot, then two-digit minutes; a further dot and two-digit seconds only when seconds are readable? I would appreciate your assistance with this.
2.44
